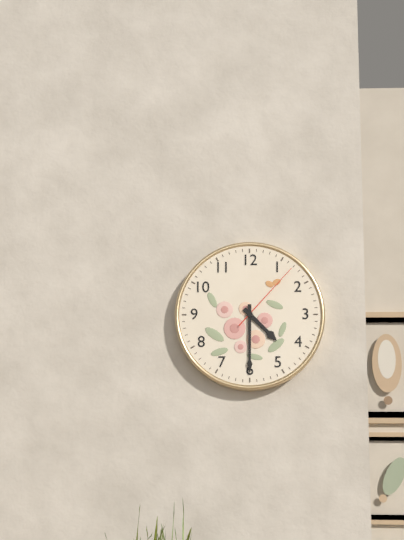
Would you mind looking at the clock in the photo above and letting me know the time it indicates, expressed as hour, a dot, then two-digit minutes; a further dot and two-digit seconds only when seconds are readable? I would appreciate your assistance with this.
4.30.07
